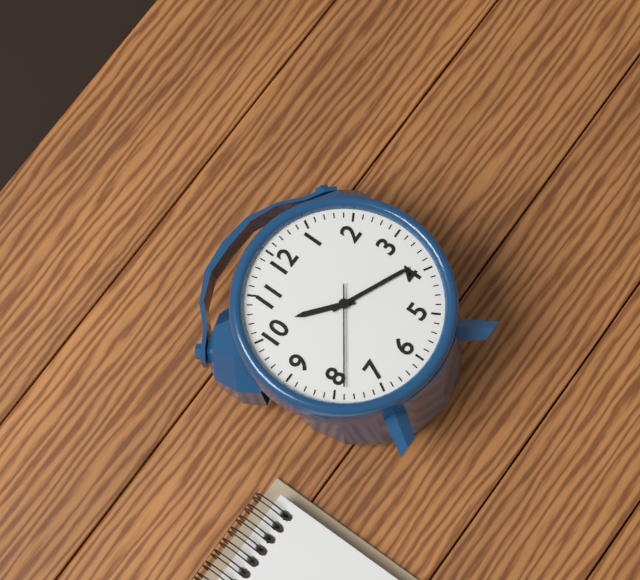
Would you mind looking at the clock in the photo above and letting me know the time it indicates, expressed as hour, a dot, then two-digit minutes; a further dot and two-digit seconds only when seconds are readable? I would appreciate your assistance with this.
10.19.39
